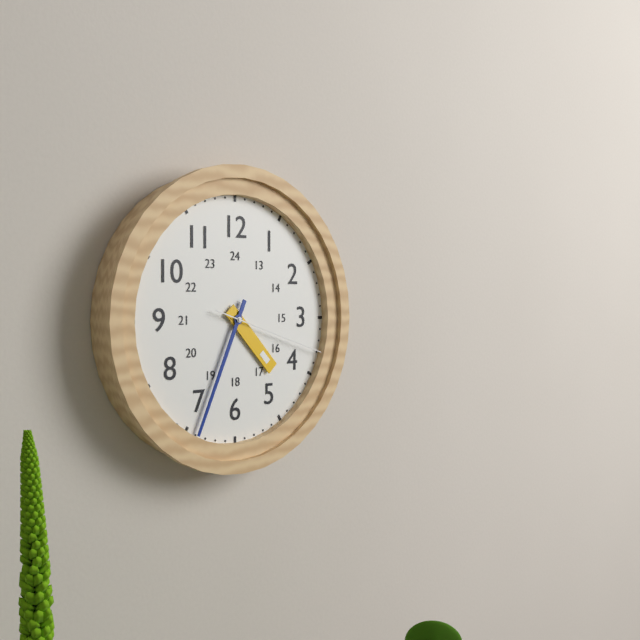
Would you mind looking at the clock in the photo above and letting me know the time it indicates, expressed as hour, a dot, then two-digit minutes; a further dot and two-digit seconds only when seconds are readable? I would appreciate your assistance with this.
4.34.18
